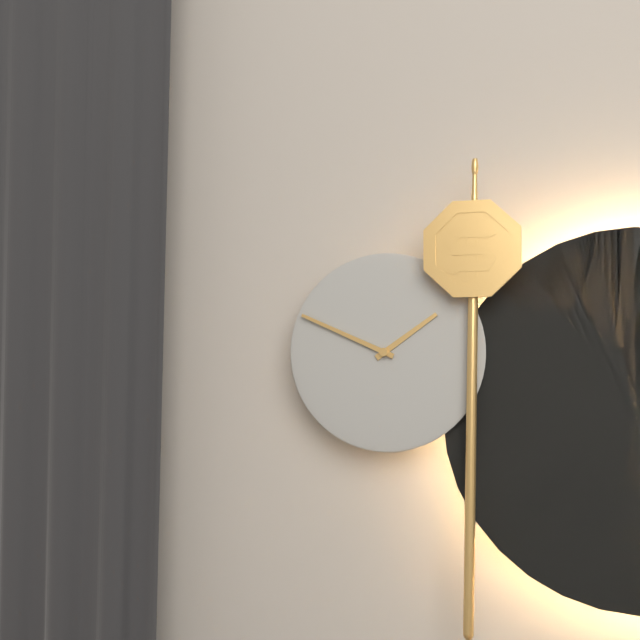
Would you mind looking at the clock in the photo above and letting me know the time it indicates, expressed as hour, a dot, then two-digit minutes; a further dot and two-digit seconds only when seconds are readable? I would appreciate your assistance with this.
1.49
